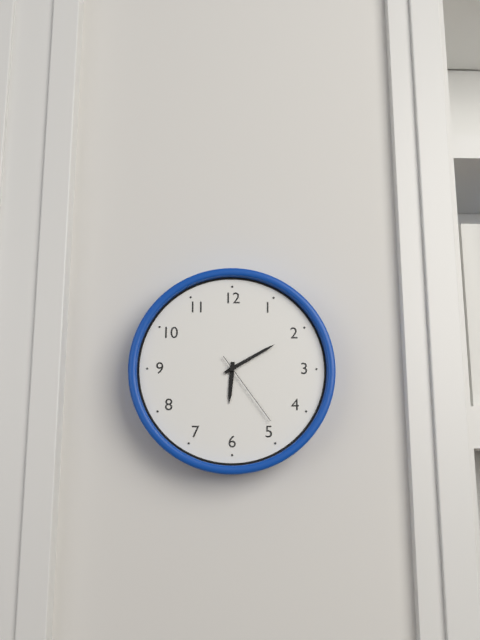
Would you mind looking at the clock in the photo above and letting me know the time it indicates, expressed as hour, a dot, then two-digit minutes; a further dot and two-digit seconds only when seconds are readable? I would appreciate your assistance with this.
6.10.24
